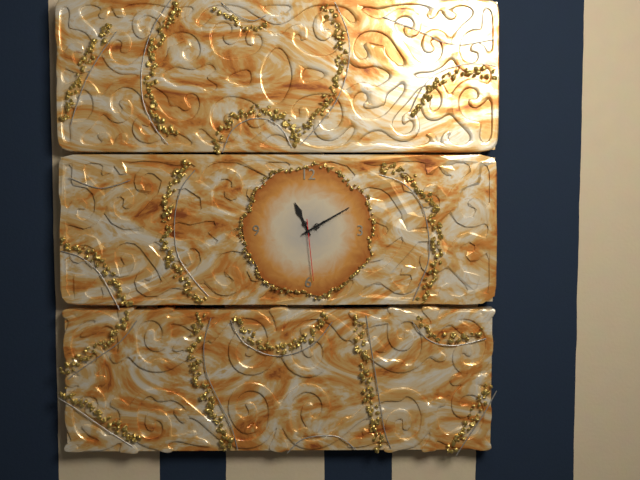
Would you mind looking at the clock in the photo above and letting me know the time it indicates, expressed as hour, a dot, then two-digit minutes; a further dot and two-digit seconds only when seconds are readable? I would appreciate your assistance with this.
11.10.29
